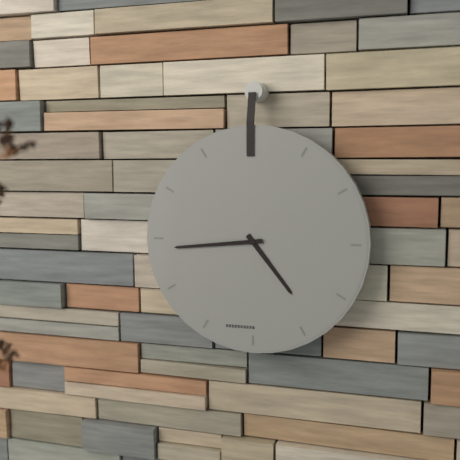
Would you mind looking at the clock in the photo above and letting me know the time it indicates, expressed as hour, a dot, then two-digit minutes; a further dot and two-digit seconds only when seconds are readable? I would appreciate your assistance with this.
4.44
